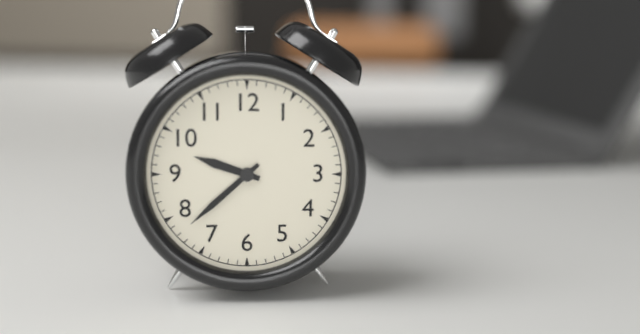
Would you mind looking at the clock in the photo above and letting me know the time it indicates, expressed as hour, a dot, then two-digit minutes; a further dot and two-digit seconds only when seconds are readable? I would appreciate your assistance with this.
9.38
